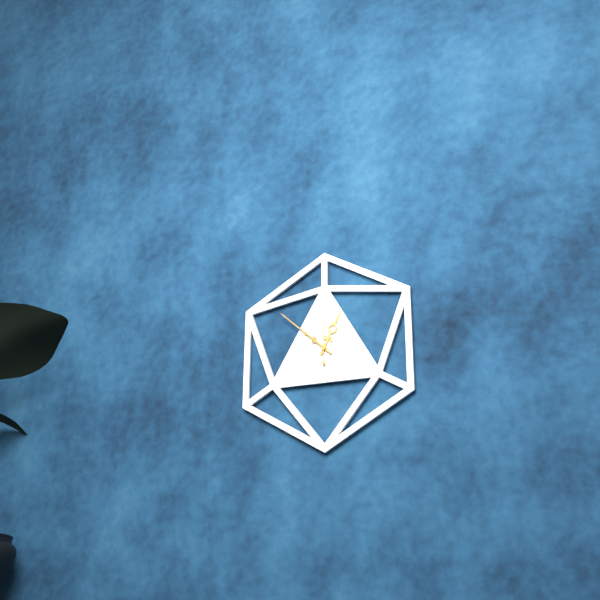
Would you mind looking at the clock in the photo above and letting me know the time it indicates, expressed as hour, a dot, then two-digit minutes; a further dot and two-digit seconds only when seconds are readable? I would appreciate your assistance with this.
12.52.00
